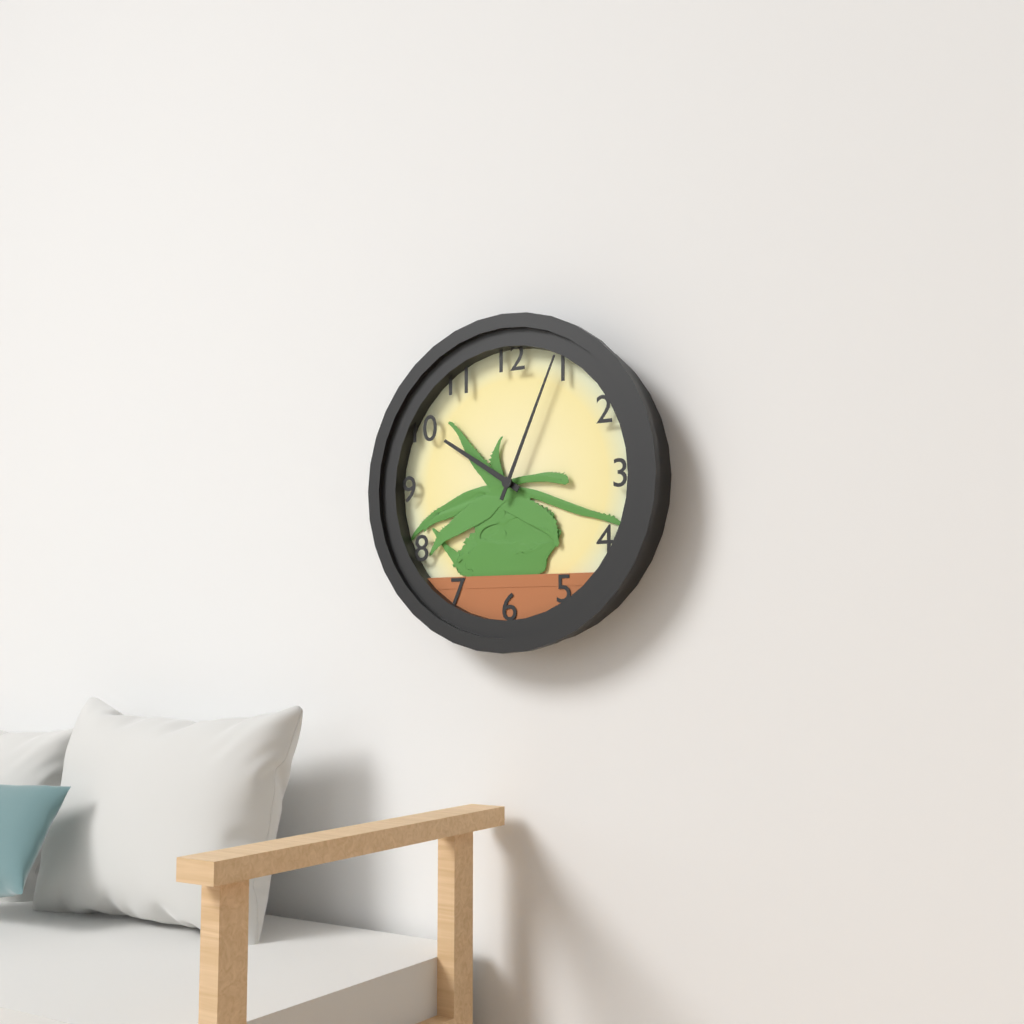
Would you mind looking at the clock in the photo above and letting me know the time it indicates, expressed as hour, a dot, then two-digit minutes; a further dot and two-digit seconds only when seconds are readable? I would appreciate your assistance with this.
10.04
